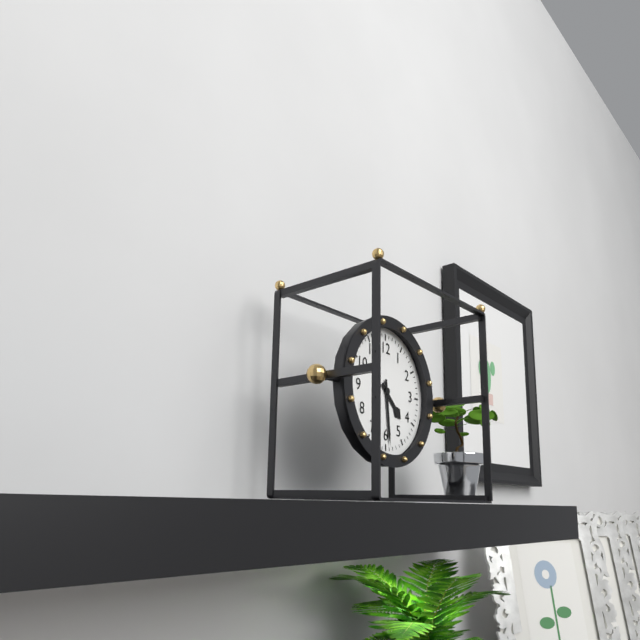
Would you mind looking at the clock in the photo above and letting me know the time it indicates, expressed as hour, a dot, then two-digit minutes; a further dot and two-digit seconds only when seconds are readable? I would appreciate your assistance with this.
4.29
